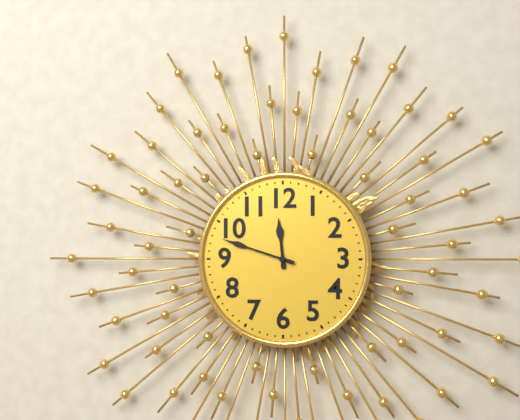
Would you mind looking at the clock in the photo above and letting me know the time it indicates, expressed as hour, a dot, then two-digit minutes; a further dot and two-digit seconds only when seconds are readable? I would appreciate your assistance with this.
11.48
